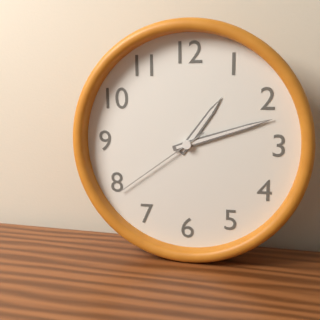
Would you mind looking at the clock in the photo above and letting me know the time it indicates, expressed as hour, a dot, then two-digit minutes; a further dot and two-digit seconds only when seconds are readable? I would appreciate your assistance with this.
1.12.39
